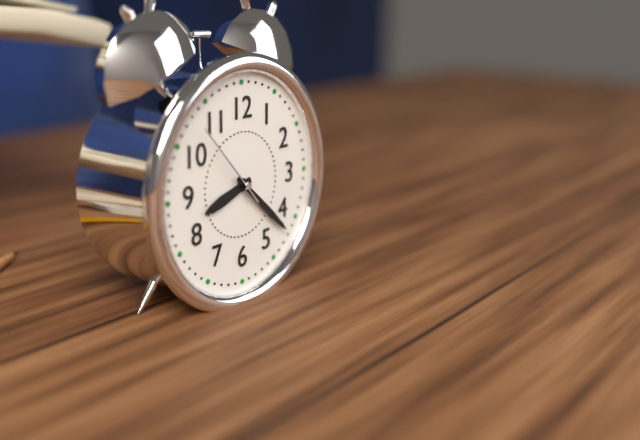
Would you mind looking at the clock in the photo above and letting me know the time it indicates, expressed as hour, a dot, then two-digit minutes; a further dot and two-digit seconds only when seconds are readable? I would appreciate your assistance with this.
8.22.53
